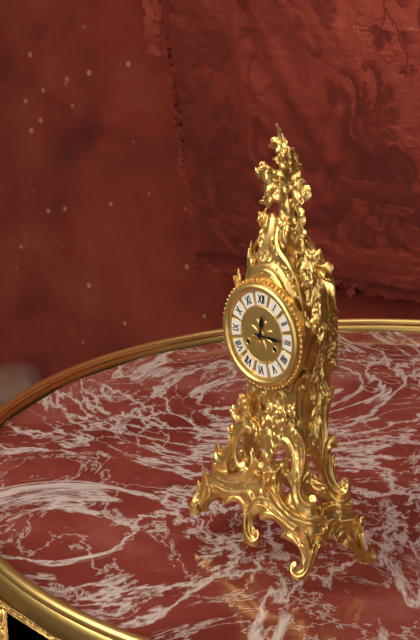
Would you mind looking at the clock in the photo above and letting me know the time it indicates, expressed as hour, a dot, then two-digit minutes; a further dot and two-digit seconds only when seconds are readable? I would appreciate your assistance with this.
12.15
